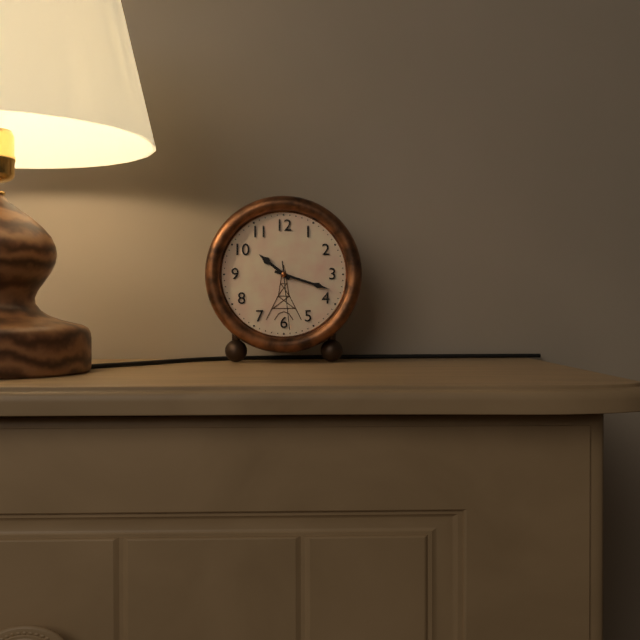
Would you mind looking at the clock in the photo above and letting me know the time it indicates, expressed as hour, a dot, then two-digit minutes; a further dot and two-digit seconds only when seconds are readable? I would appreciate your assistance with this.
10.18.29
